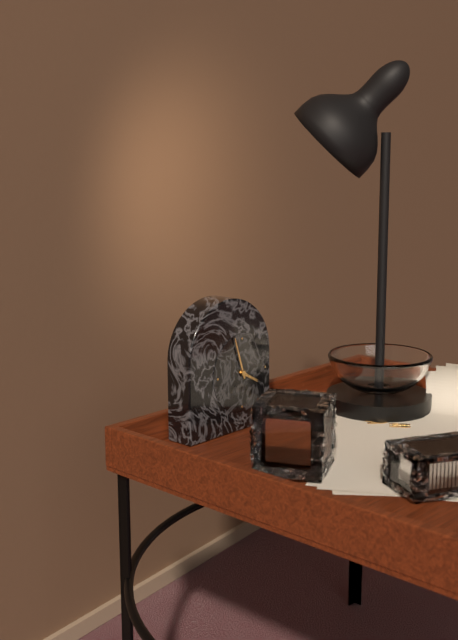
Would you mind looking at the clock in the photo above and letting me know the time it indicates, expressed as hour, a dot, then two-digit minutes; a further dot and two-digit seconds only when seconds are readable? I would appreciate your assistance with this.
3.57
